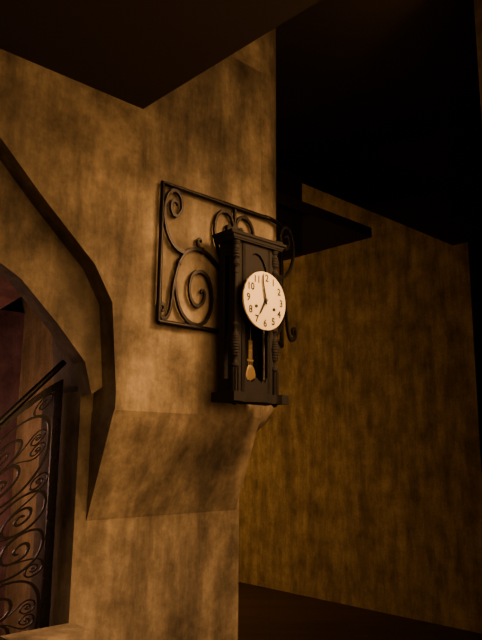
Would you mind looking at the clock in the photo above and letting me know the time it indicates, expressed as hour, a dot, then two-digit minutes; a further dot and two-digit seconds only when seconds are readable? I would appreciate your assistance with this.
6.58
